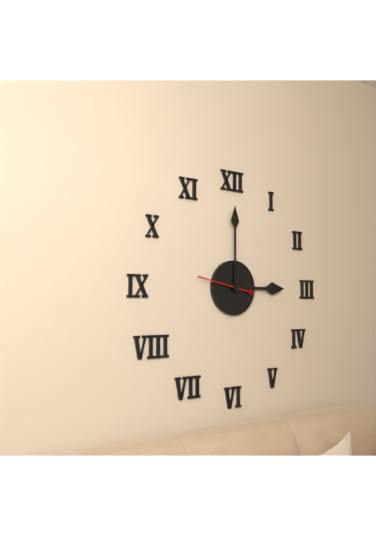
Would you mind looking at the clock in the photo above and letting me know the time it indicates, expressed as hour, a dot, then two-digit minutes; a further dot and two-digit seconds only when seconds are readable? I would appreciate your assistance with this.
3.00
